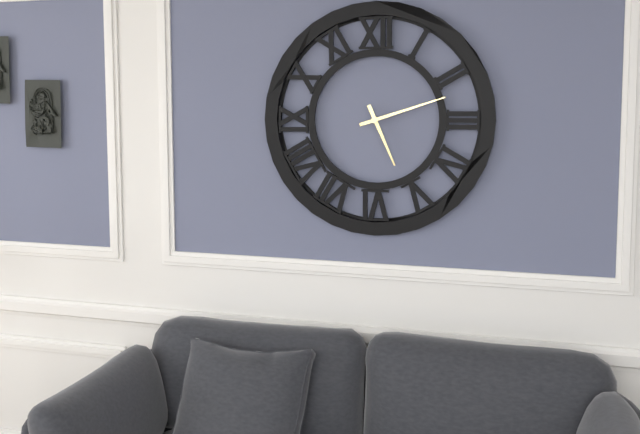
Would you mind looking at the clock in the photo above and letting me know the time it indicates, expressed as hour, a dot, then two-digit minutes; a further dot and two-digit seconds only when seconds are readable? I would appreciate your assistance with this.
5.12
